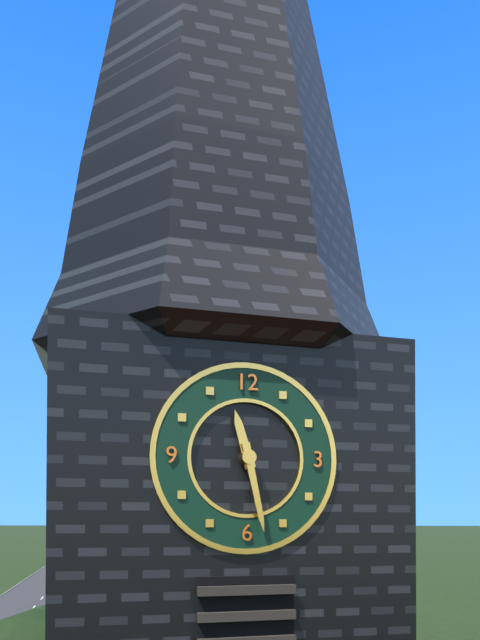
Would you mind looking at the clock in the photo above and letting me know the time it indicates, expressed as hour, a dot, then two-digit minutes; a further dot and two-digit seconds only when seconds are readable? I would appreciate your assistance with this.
11.28
